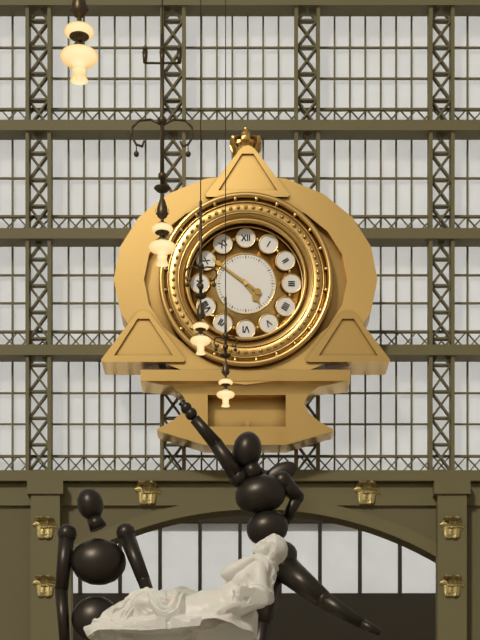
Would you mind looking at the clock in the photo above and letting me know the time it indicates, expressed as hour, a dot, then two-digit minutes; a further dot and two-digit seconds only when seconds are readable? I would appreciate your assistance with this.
4.51
